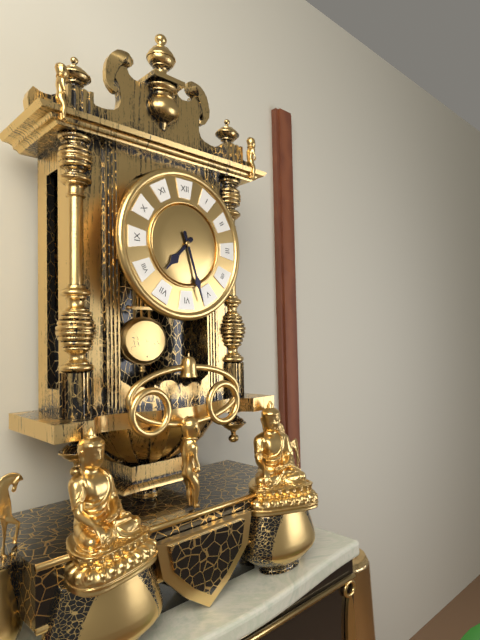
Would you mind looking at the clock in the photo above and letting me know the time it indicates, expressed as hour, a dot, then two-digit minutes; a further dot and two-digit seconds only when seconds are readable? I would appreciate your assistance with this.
7.27
